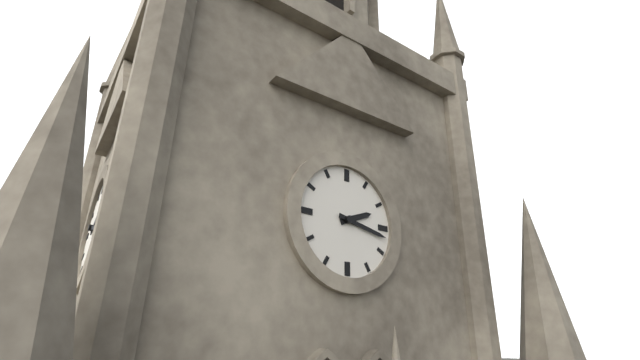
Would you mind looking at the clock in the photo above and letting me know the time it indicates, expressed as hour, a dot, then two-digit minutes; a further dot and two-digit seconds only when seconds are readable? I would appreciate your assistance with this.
2.17
